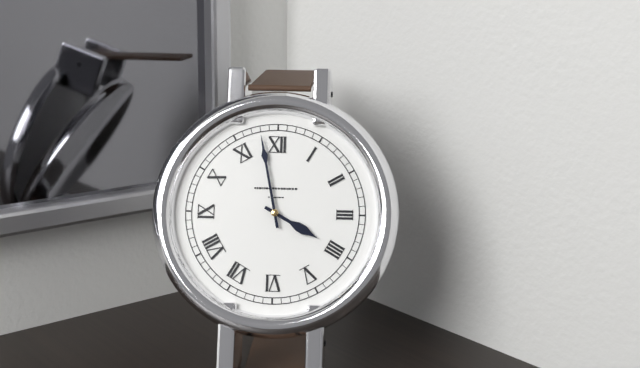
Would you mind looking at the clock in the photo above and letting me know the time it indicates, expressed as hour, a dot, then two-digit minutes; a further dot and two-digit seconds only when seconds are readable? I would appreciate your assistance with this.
3.58
